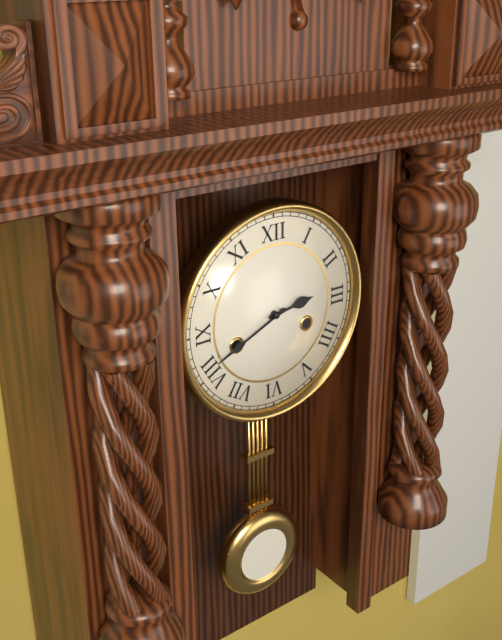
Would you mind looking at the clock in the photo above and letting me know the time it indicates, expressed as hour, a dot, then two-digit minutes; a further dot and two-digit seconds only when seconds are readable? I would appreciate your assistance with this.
2.41
